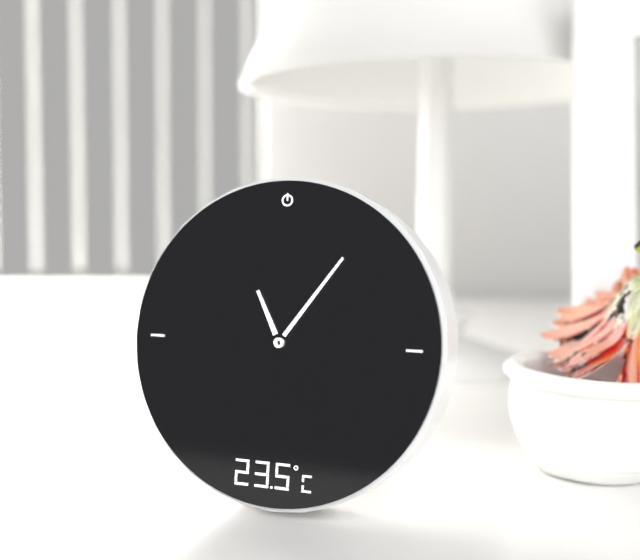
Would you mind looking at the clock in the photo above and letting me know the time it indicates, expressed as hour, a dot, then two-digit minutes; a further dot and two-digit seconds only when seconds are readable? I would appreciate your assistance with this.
11.06
